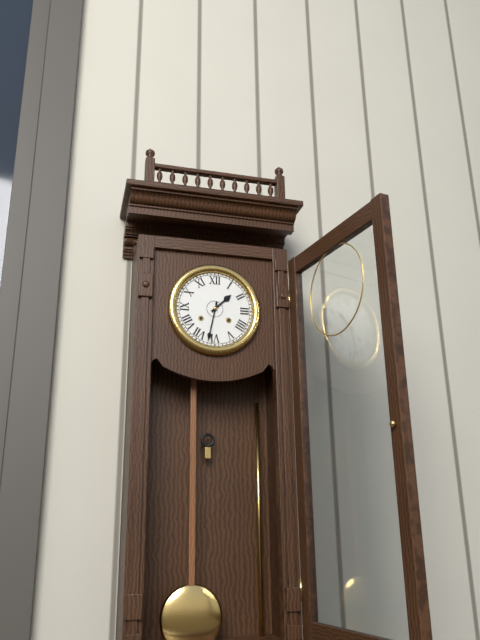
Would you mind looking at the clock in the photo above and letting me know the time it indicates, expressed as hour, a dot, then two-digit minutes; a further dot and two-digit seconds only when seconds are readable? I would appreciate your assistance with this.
1.32
